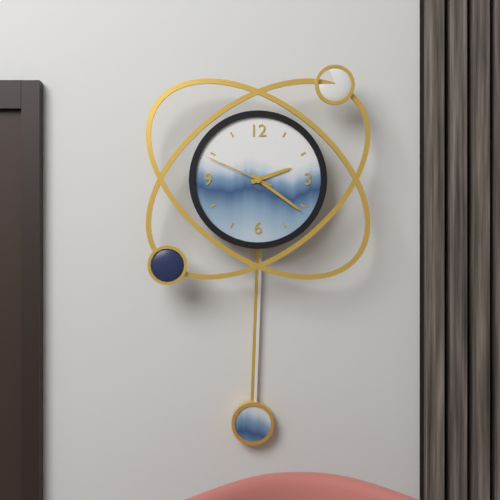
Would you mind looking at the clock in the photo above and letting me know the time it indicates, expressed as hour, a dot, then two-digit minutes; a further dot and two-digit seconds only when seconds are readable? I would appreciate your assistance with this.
2.21.49
